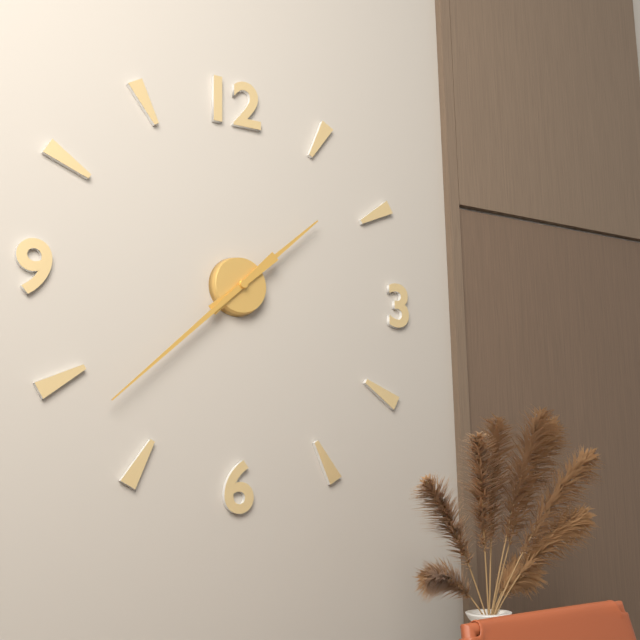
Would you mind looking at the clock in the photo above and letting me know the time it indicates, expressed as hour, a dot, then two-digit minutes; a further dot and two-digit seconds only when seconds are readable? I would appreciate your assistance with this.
1.38
